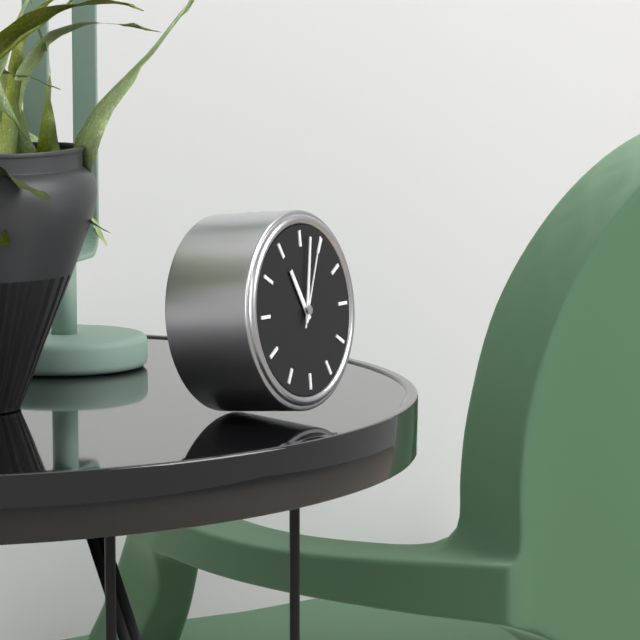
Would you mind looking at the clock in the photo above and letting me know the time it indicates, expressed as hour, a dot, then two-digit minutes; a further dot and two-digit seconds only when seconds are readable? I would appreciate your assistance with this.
11.02.04
